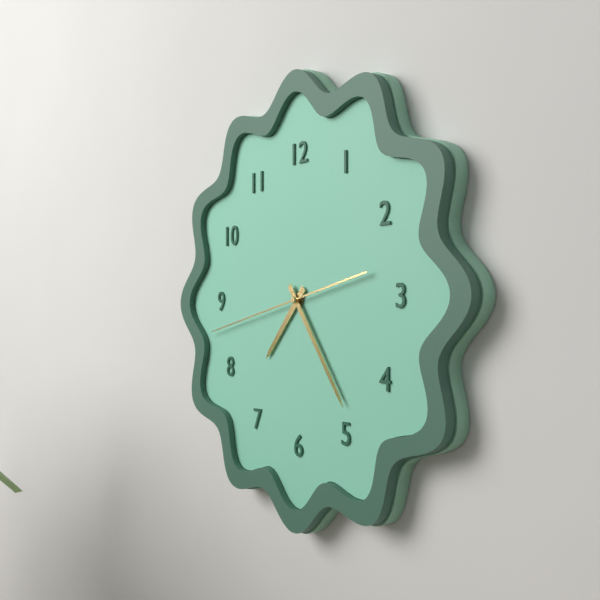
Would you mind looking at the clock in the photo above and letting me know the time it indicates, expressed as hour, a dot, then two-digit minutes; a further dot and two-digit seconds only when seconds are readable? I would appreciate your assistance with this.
7.24.43
